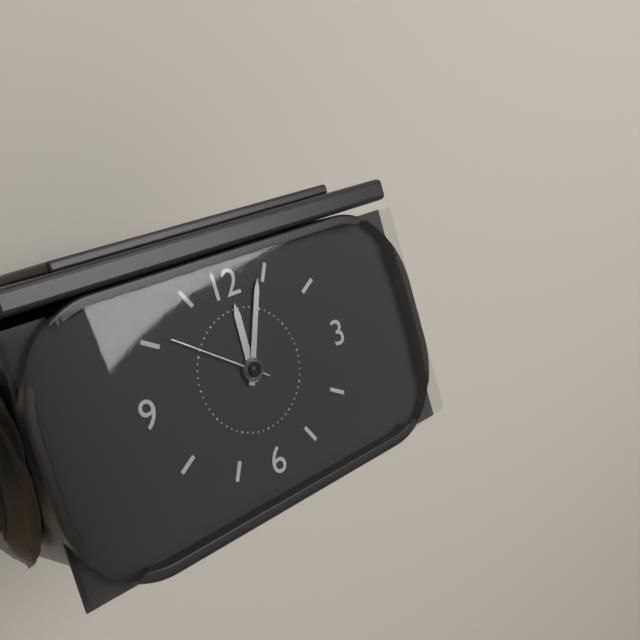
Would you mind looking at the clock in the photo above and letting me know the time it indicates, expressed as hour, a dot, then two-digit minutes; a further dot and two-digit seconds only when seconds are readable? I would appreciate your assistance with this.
12.04.51
